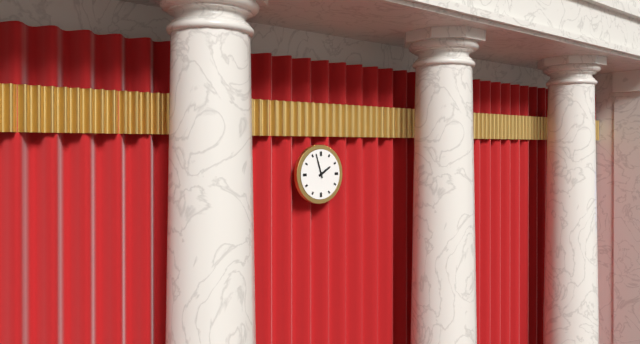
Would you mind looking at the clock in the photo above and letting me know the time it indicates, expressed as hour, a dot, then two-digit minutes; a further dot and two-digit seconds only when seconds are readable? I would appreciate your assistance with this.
1.57
